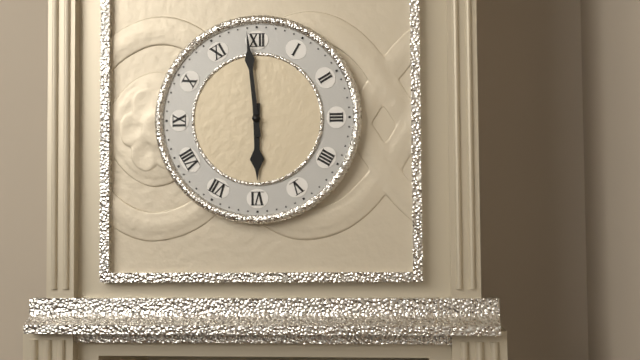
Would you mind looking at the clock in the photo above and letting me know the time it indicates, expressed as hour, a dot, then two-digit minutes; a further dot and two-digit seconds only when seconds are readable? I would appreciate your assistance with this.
5.59
